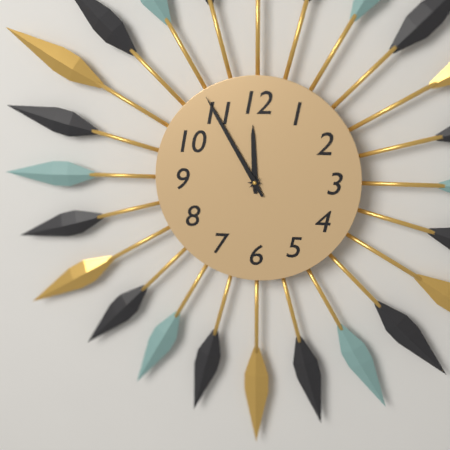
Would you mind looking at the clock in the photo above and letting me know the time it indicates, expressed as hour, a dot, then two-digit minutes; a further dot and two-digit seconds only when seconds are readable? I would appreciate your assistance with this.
11.55
